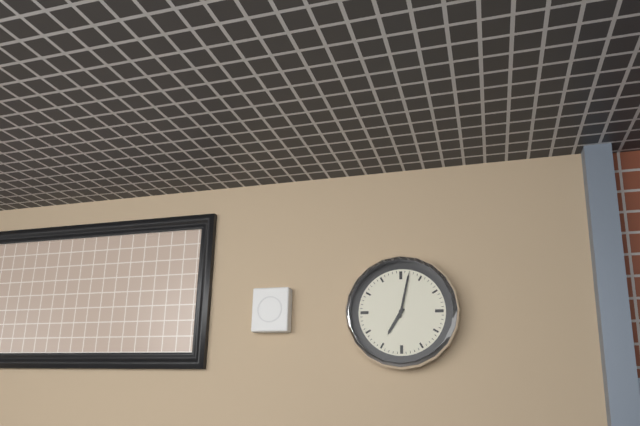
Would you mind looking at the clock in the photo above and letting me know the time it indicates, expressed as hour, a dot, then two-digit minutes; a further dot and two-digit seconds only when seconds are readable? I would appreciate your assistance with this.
7.02
